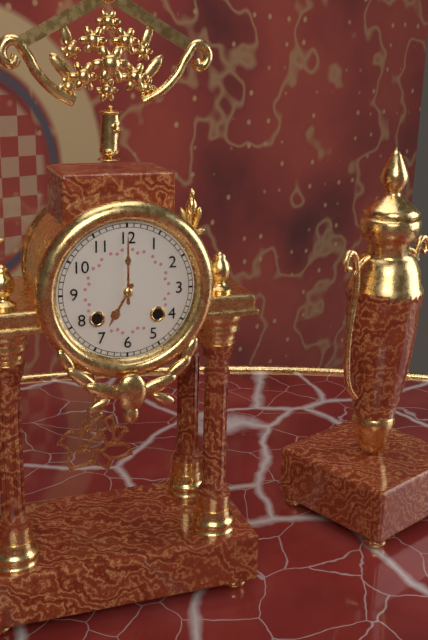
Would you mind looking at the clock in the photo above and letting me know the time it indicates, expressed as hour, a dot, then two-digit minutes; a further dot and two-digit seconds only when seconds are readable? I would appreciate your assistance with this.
7.00
